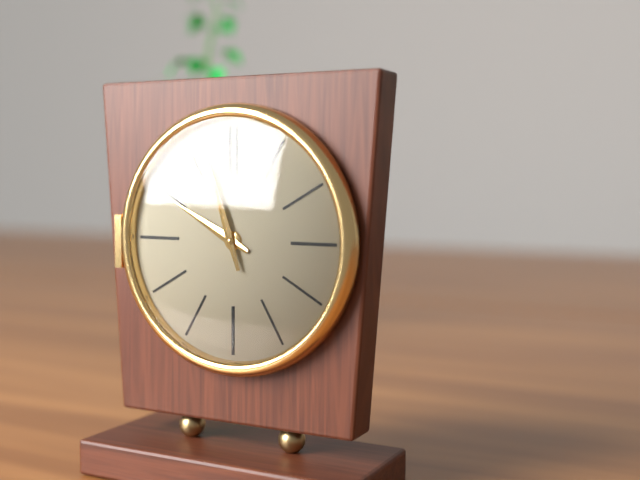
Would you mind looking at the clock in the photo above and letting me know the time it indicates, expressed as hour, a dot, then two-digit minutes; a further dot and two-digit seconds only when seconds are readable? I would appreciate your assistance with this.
9.57
